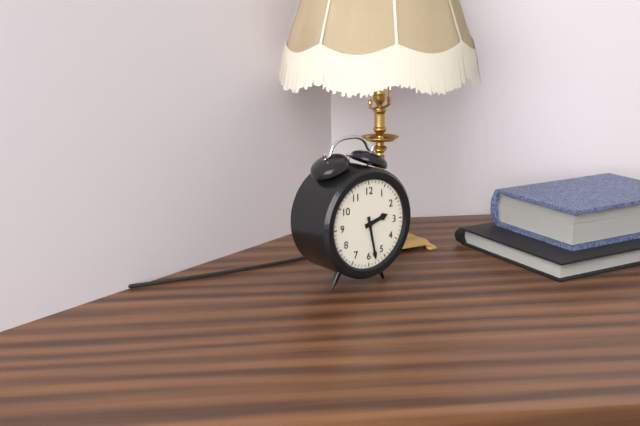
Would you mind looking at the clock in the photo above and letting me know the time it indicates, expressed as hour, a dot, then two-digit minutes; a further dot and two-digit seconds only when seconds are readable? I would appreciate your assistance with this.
2.28
